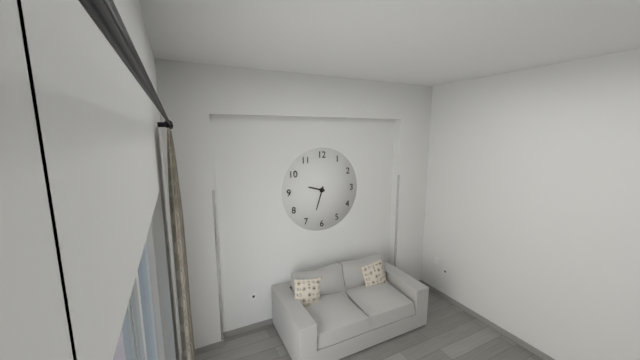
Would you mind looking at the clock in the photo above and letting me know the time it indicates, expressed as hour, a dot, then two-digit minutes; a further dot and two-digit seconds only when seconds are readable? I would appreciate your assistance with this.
9.33
